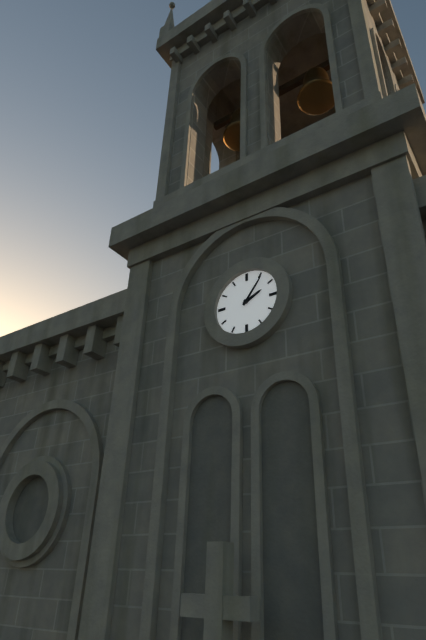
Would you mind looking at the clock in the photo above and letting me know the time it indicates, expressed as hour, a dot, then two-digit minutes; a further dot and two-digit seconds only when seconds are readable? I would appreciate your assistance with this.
2.06
